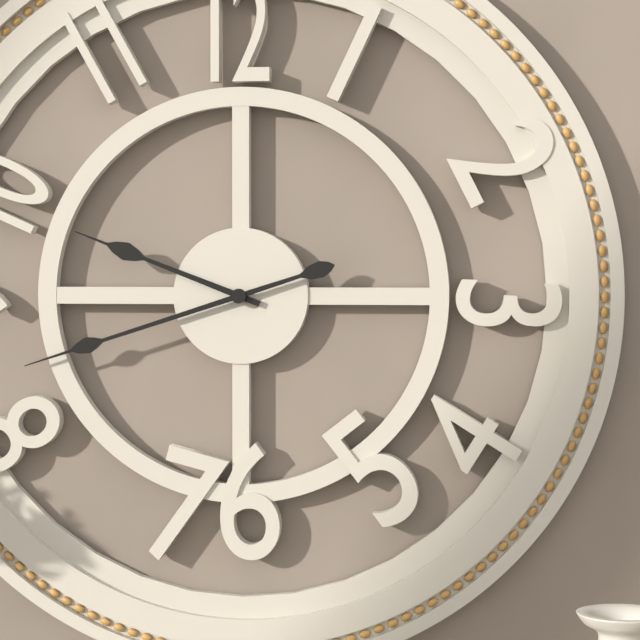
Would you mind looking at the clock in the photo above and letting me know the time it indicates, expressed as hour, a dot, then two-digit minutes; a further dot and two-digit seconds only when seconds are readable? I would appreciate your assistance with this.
9.42
